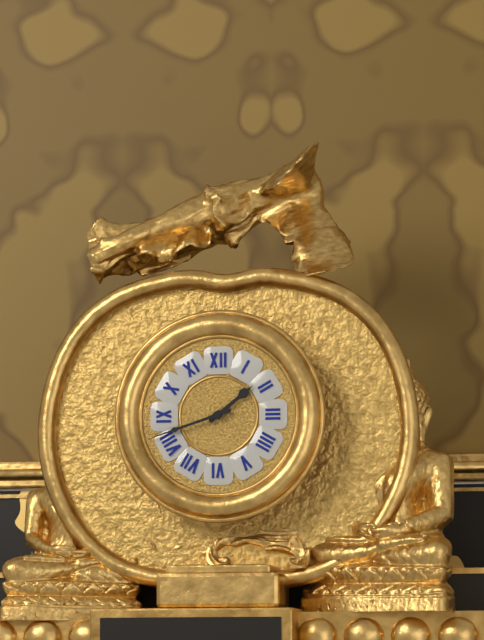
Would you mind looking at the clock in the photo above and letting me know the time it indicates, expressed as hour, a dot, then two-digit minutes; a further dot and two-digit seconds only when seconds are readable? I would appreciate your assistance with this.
1.42
